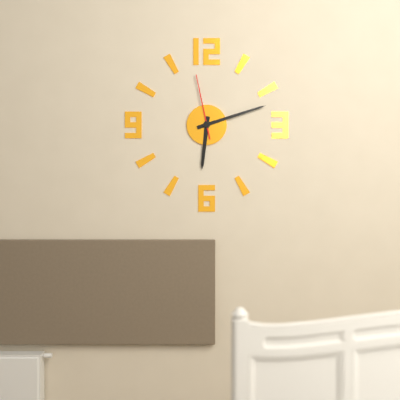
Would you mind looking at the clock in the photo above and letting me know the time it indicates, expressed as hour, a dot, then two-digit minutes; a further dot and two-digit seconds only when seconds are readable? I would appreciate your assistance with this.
6.12.58
